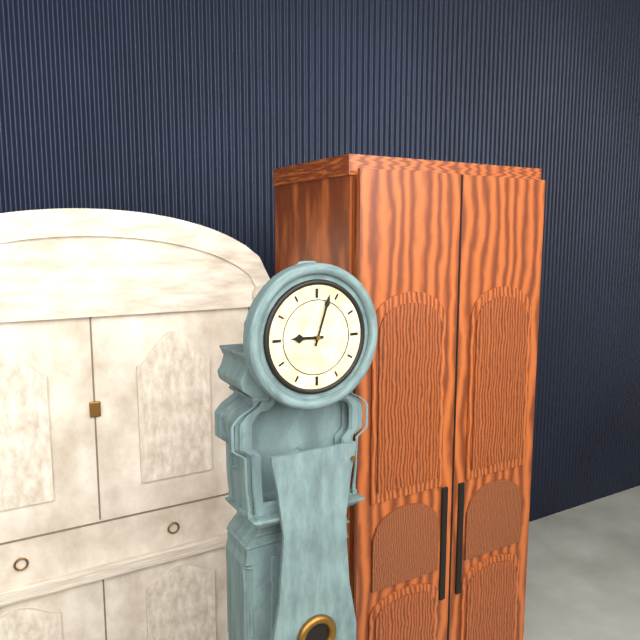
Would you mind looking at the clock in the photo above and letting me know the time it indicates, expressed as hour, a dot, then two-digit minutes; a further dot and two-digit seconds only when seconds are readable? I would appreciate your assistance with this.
9.03
